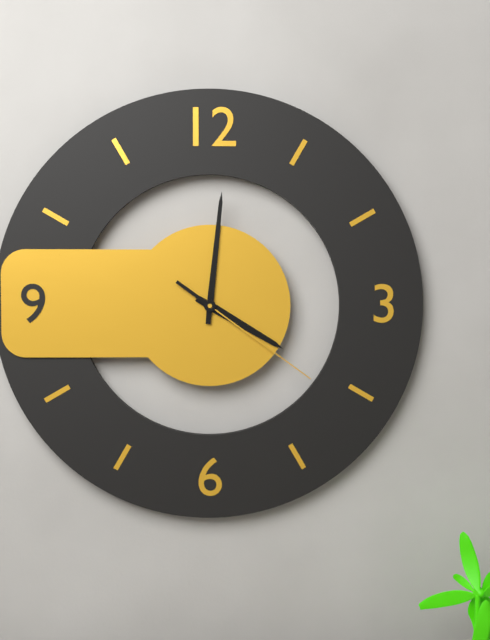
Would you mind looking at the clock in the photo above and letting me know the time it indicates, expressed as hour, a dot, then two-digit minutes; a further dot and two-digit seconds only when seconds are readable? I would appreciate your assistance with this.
4.01.21
